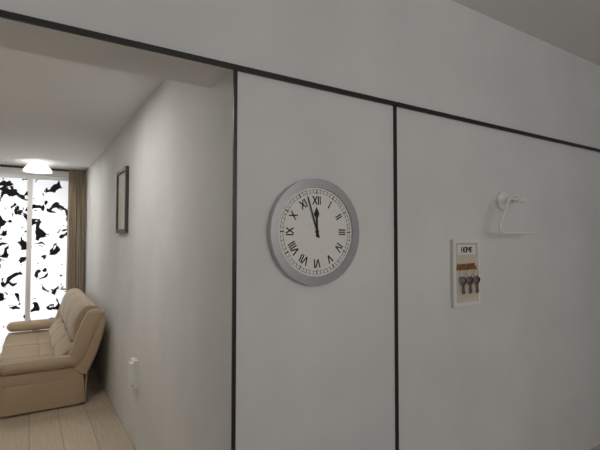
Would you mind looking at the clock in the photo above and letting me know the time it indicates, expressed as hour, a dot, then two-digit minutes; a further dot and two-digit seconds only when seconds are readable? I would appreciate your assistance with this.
11.57
